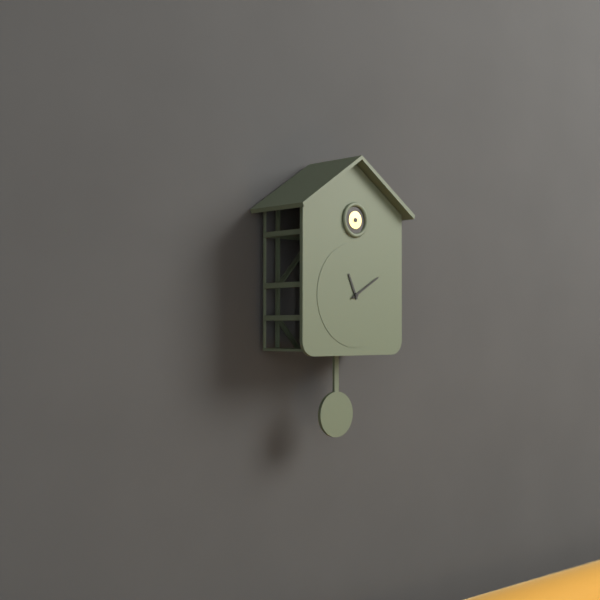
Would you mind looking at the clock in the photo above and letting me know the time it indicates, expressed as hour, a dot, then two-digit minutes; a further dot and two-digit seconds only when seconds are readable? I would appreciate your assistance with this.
11.10
